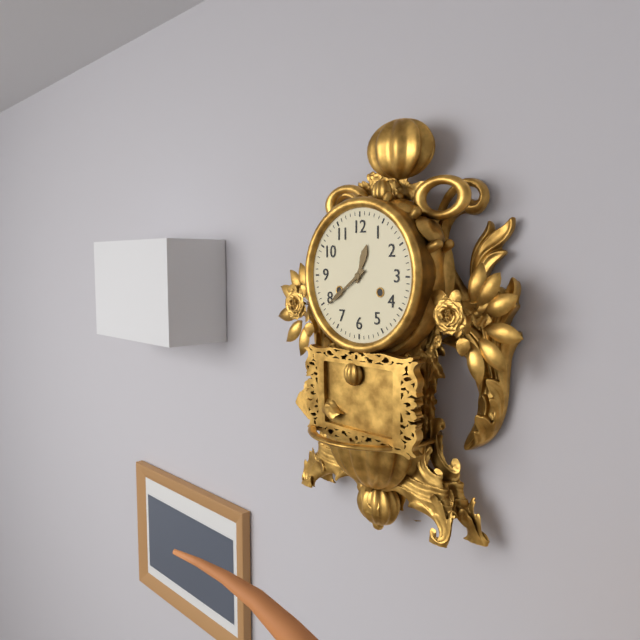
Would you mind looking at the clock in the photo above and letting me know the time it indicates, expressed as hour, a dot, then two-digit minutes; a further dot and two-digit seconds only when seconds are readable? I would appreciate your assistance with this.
12.39
